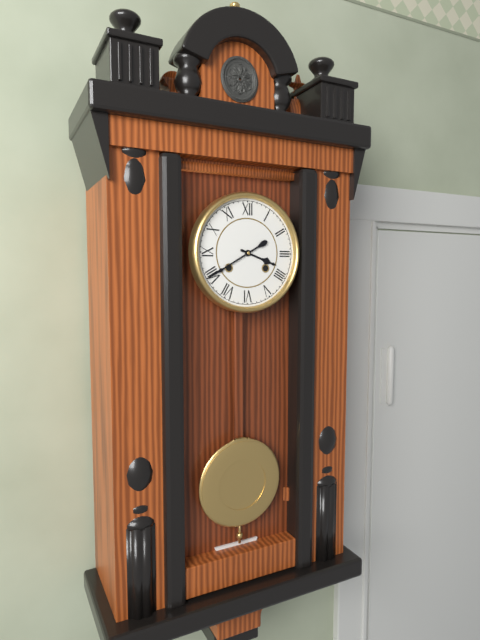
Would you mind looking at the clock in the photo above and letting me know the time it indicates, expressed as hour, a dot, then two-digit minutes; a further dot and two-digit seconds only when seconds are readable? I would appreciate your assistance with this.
3.40
